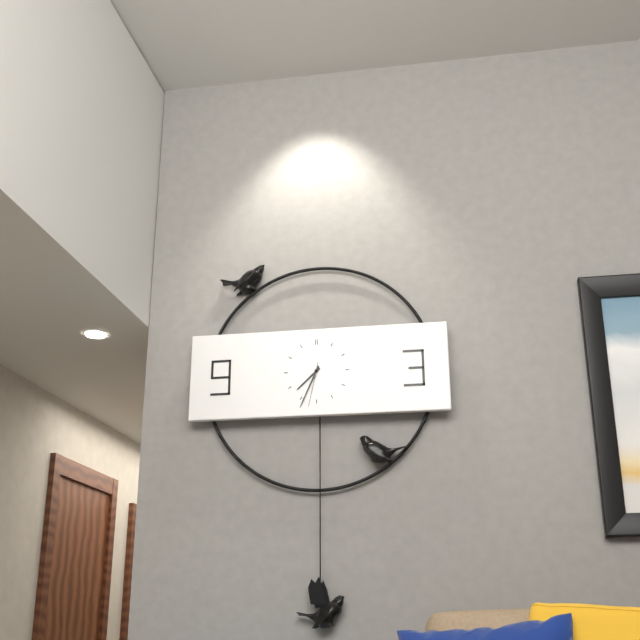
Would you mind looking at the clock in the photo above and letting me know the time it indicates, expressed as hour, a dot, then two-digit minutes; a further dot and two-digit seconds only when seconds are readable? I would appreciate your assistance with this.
7.34
